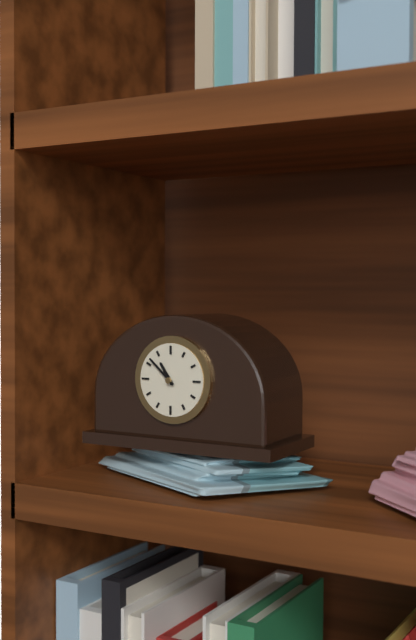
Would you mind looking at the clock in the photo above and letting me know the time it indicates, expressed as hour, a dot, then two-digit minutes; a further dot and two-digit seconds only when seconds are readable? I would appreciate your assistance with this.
10.52
